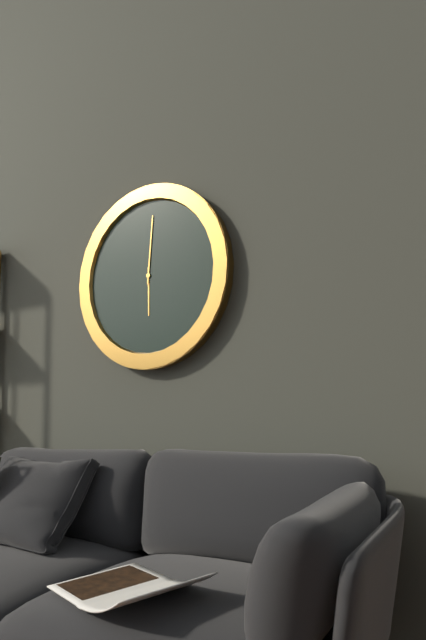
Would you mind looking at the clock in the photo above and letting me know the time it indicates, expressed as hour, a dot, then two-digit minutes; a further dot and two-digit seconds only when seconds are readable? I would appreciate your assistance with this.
6.01
